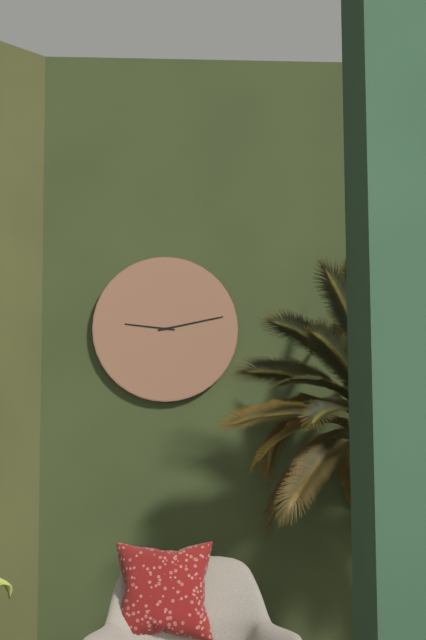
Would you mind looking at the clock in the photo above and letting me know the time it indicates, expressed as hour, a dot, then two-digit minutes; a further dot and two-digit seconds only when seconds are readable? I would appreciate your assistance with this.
9.13
